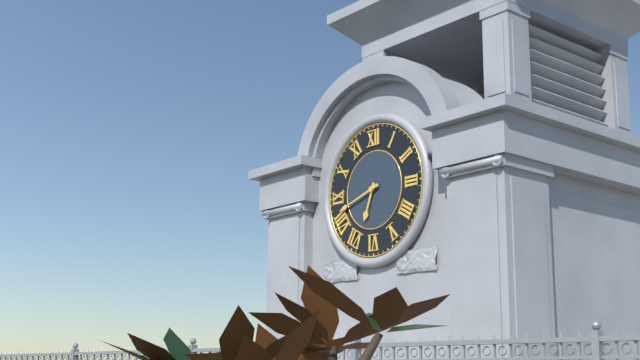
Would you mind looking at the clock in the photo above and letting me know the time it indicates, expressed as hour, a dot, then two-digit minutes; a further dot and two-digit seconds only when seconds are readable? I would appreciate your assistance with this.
6.42
